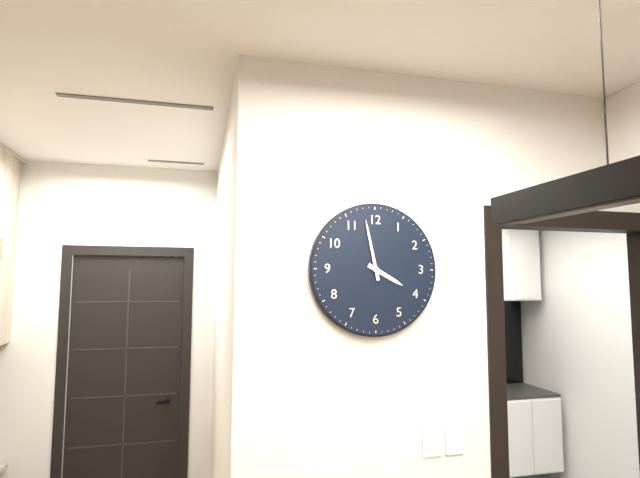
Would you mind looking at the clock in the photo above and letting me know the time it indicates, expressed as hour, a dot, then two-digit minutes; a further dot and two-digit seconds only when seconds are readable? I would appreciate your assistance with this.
3.58
